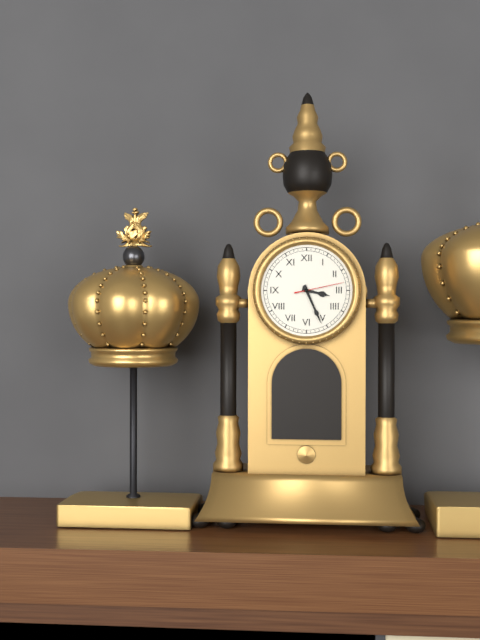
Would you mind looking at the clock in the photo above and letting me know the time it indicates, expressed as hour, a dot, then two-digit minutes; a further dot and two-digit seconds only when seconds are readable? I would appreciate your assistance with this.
3.26.13
